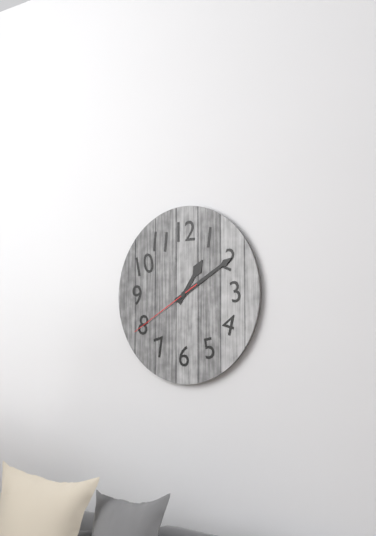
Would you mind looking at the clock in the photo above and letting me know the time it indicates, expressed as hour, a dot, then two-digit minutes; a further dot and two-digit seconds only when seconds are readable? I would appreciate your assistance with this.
1.10.40
